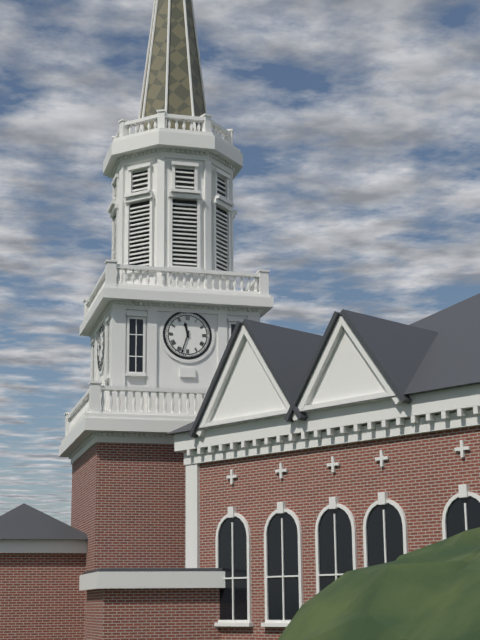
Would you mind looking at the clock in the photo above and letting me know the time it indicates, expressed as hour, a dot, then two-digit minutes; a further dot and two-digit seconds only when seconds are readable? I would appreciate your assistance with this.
11.33
